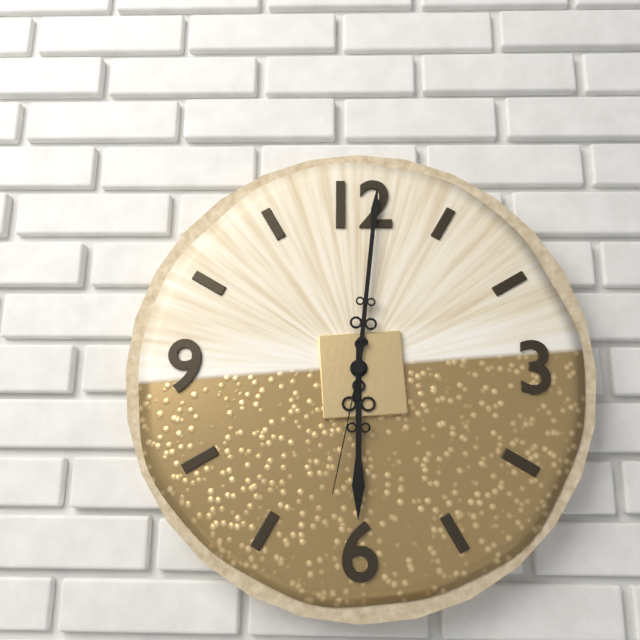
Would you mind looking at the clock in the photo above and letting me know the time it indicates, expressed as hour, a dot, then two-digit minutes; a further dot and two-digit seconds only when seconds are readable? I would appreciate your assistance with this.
6.01.32
